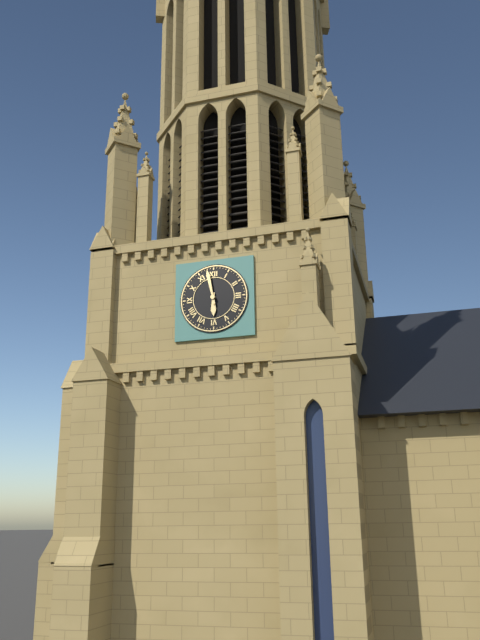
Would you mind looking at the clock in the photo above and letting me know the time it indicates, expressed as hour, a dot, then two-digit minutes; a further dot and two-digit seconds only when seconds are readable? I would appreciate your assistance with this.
5.58
